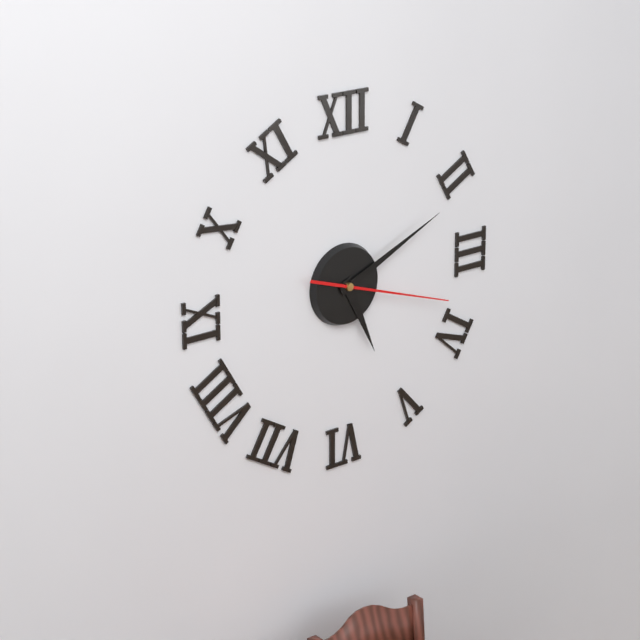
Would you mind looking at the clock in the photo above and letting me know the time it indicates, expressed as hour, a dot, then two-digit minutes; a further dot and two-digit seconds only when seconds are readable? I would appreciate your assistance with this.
5.11.18
